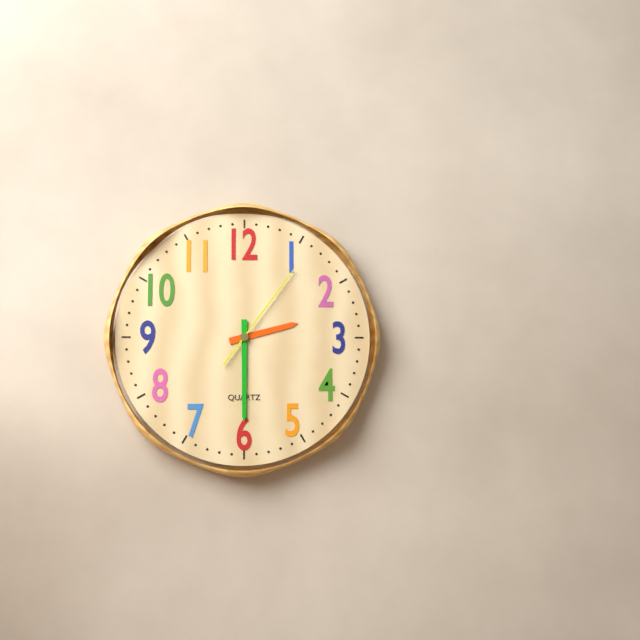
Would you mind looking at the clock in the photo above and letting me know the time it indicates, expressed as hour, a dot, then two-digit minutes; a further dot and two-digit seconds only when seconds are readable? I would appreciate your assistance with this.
2.30.06
